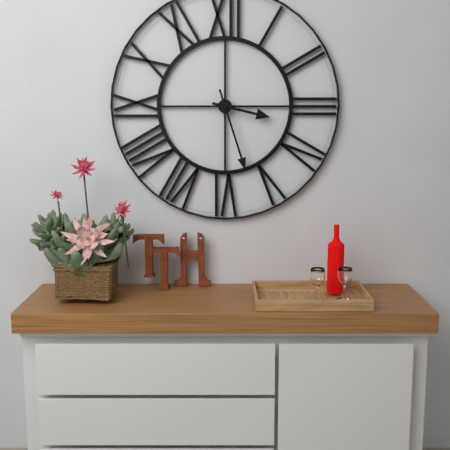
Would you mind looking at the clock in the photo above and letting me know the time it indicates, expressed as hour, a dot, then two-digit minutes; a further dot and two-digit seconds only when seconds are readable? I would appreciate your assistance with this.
3.27
